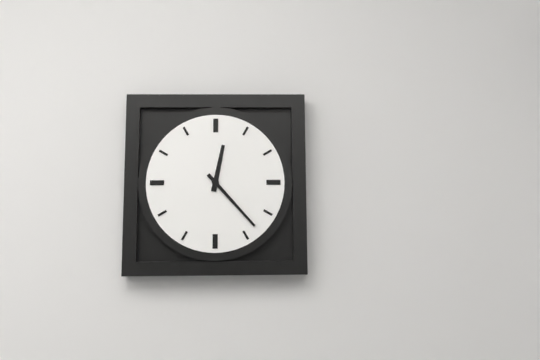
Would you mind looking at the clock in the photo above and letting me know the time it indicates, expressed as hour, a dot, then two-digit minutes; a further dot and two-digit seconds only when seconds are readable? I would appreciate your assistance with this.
12.23
